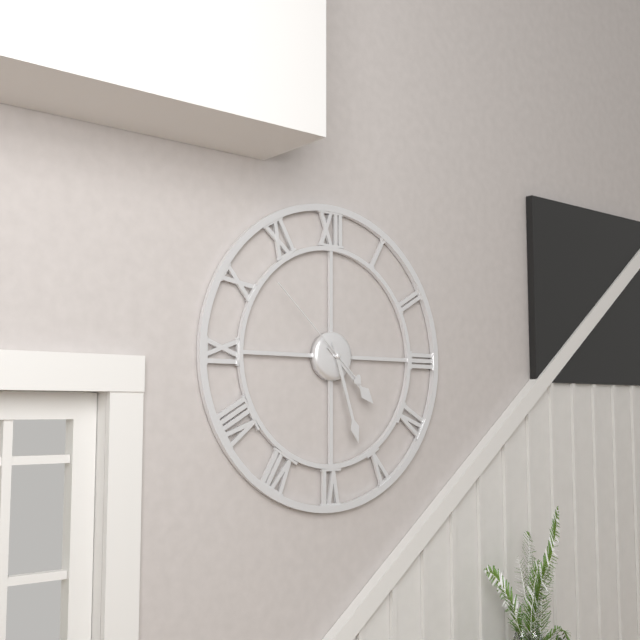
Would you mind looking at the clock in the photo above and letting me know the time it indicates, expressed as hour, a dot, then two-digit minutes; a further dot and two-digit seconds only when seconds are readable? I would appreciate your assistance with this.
4.27.52
